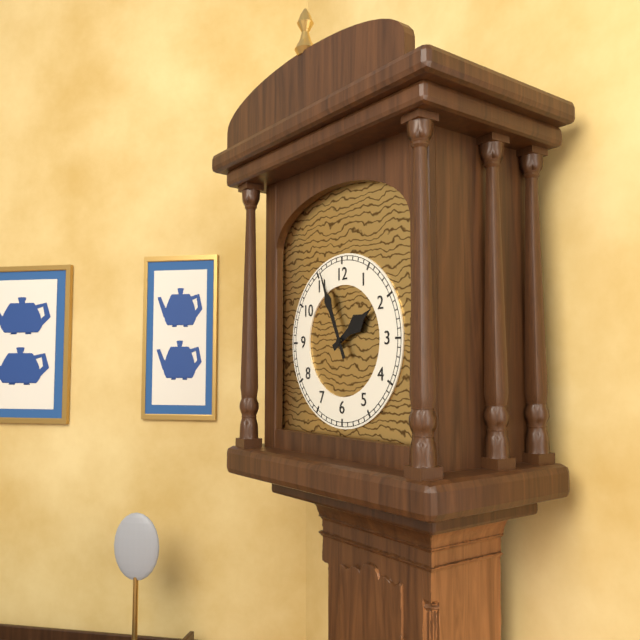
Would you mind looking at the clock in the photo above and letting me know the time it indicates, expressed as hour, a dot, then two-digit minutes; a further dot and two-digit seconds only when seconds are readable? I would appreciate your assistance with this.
1.56
